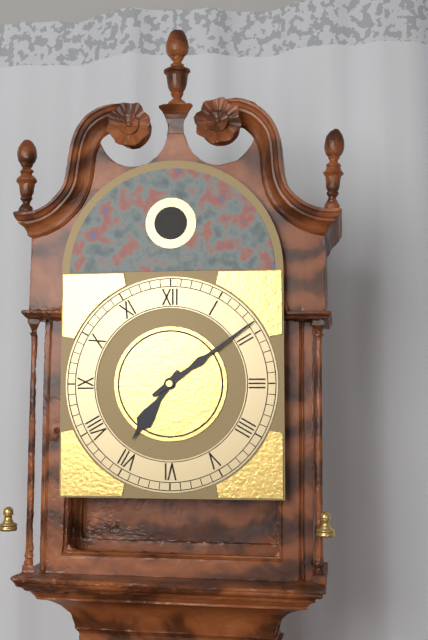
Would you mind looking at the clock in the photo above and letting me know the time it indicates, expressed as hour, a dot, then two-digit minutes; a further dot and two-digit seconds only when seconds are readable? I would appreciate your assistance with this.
7.09
